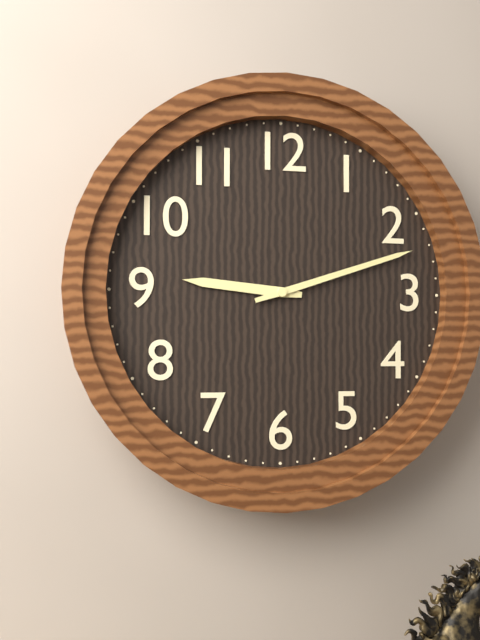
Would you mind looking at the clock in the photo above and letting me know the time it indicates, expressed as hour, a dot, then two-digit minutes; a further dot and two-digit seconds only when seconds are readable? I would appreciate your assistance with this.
9.12
